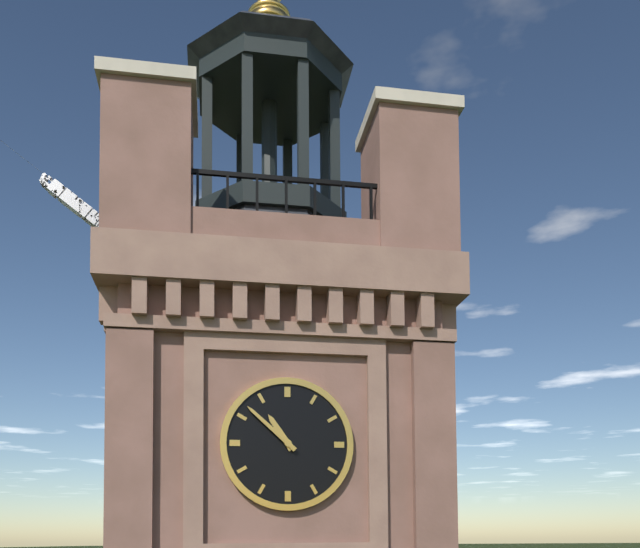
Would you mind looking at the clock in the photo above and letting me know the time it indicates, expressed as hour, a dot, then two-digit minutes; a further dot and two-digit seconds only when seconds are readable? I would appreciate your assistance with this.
10.52
